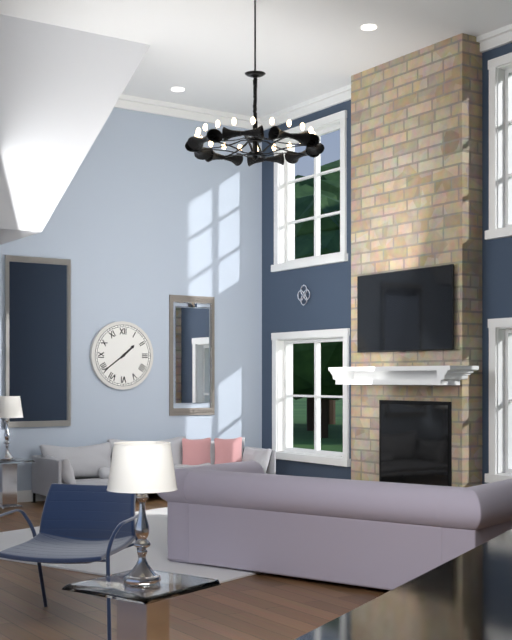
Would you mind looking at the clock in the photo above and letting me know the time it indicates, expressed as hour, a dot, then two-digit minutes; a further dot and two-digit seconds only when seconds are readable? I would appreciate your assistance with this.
1.39
